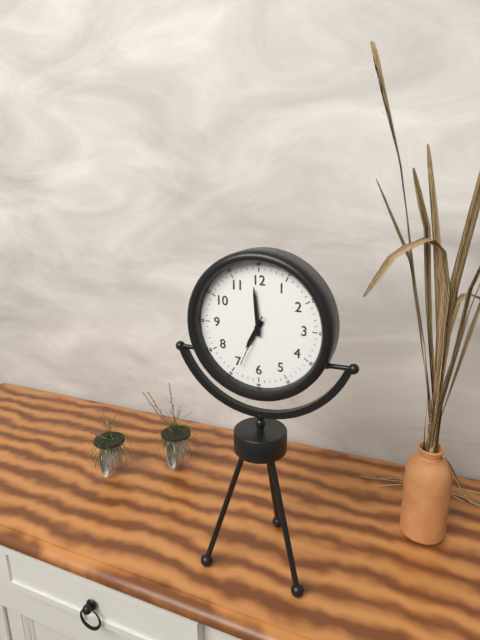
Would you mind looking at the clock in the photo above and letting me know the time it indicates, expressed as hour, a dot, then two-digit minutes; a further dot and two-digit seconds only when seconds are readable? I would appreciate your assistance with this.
6.59.34
